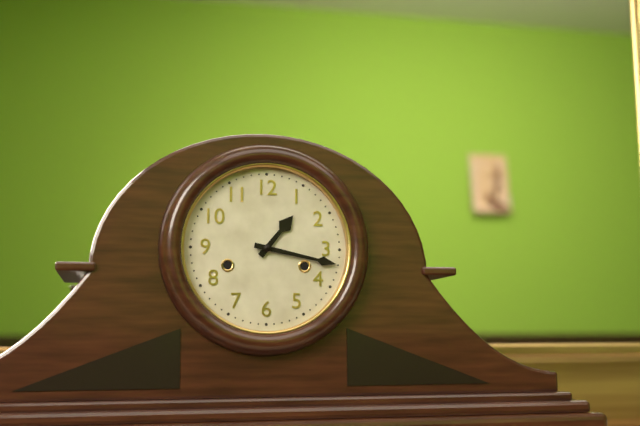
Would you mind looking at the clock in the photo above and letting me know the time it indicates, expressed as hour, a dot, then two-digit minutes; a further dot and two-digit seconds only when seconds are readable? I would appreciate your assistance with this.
1.17
